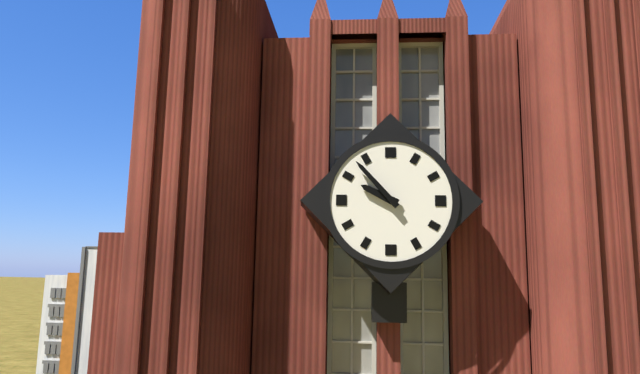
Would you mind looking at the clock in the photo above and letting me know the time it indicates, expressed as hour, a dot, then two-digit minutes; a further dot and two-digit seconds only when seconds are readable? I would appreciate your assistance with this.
9.53
